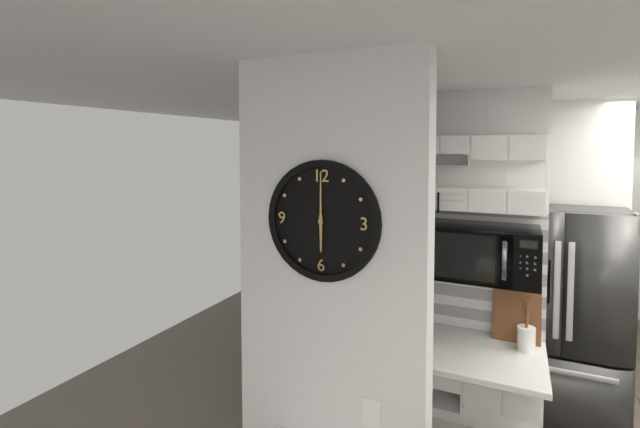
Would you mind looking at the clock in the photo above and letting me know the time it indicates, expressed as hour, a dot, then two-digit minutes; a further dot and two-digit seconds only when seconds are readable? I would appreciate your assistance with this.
6.00
